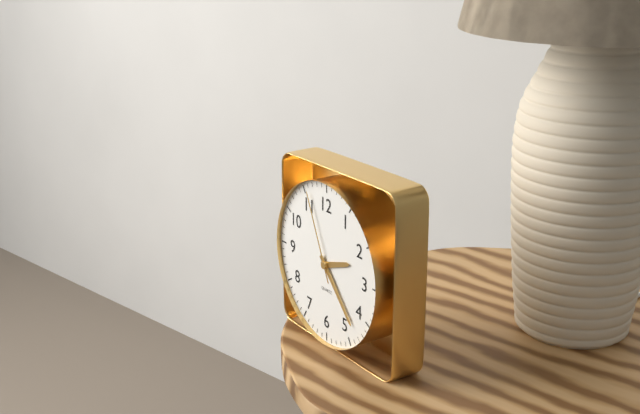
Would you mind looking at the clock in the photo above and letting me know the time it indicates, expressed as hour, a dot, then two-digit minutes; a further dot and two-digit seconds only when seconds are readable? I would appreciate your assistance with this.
2.23.56
